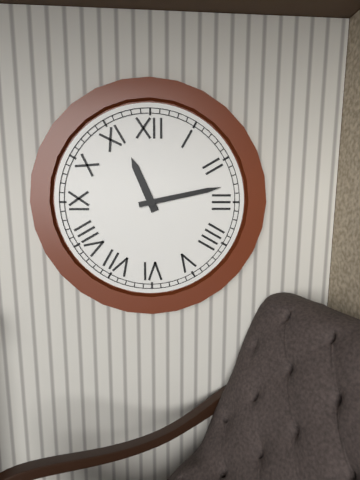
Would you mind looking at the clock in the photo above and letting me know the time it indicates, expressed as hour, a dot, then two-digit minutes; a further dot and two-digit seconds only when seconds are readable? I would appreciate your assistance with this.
11.13
